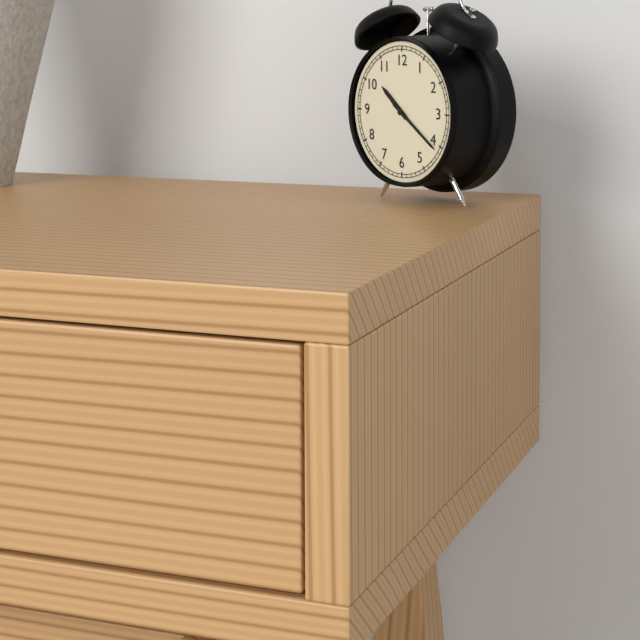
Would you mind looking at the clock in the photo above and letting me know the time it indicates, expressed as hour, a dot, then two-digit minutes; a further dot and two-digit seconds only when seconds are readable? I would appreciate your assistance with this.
10.21
